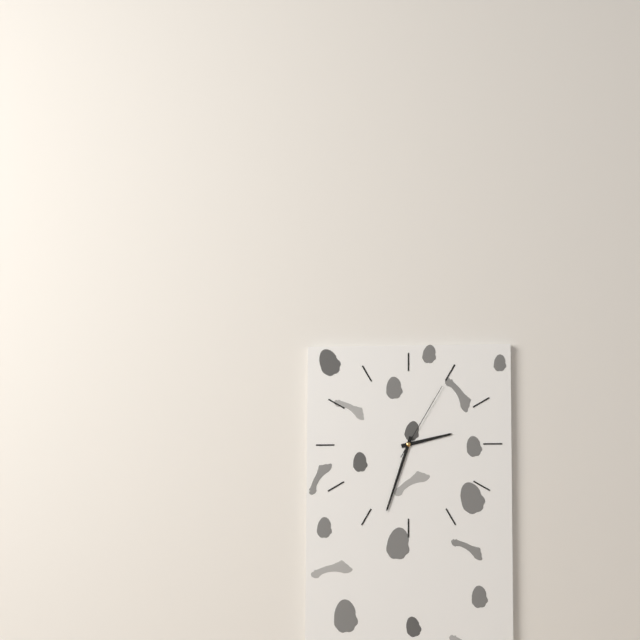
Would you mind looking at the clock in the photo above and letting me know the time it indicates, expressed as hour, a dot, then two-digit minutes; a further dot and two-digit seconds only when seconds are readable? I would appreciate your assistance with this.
2.33.05
